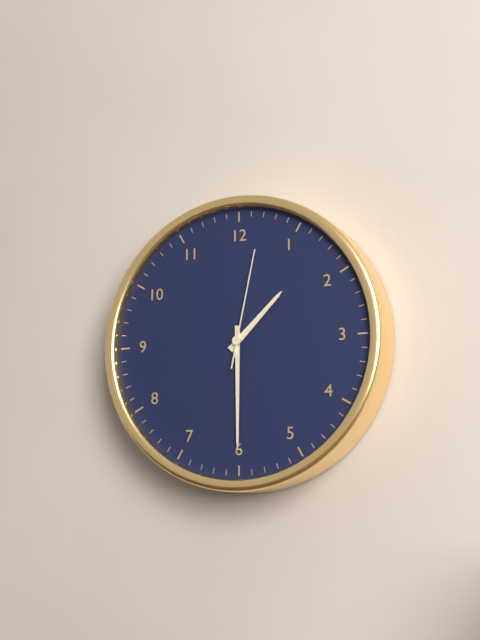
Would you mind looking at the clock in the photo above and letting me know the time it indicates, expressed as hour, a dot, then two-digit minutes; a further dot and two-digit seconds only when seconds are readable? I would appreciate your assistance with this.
1.30.02
